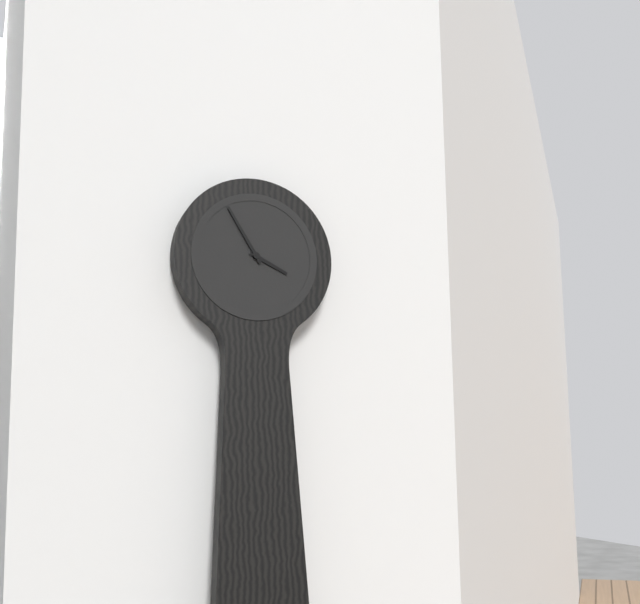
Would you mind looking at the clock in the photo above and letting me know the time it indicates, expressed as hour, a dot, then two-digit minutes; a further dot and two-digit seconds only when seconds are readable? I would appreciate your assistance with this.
3.55
